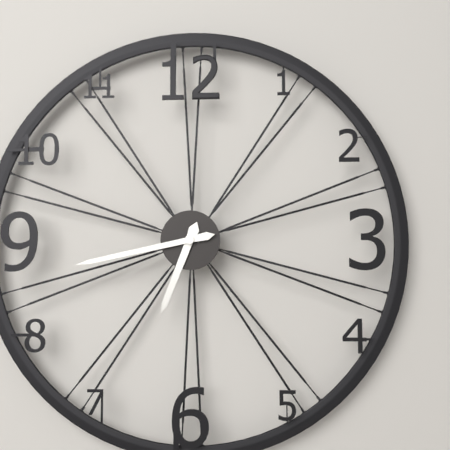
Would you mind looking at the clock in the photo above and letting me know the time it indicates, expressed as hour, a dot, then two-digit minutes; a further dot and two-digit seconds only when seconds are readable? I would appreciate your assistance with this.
6.43
